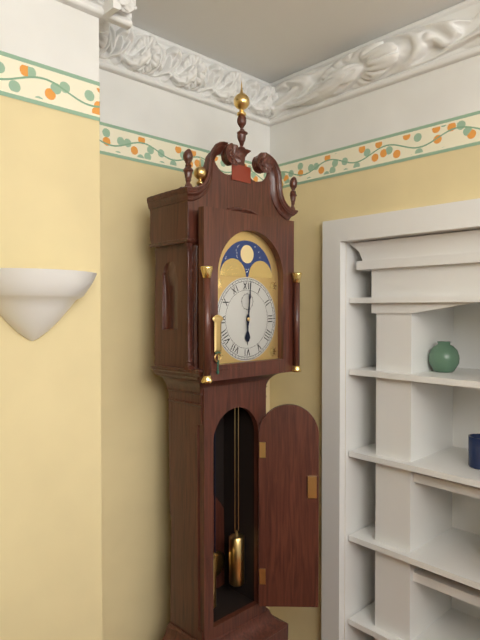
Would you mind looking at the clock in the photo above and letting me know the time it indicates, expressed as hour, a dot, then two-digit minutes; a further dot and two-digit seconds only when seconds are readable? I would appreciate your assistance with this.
6.01
